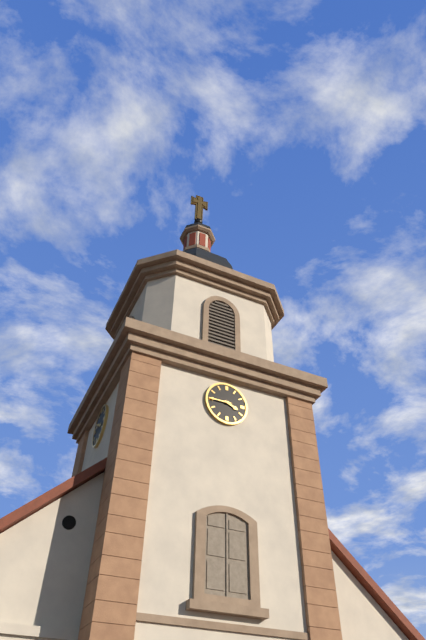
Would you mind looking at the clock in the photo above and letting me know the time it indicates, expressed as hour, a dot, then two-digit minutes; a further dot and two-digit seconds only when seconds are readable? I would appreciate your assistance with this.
3.45
